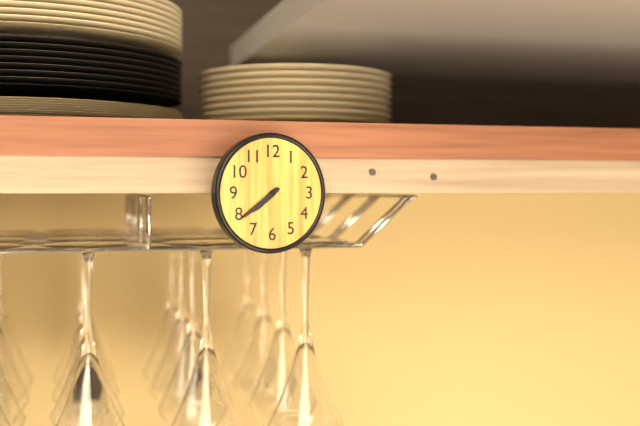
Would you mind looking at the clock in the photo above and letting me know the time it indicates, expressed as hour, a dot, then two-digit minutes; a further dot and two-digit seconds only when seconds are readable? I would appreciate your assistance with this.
7.39
